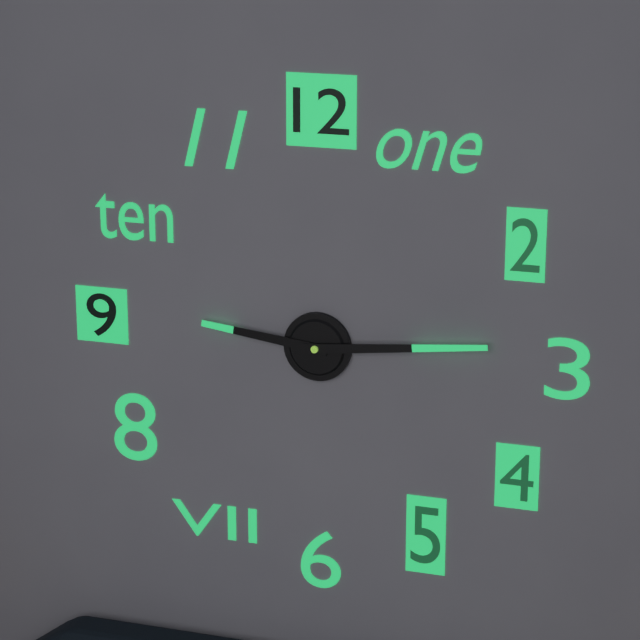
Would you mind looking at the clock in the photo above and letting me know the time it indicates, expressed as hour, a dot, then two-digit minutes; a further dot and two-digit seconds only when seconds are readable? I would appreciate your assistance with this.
9.14
